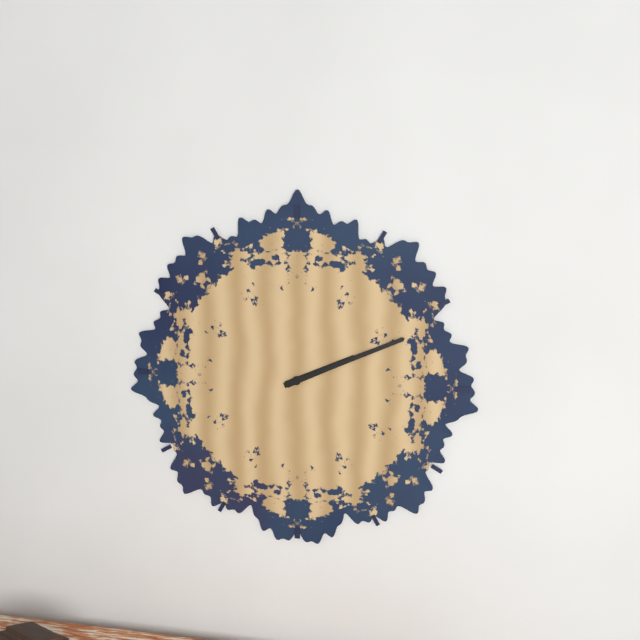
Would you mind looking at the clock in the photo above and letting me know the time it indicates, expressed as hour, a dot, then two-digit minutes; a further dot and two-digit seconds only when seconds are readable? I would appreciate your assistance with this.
2.11
